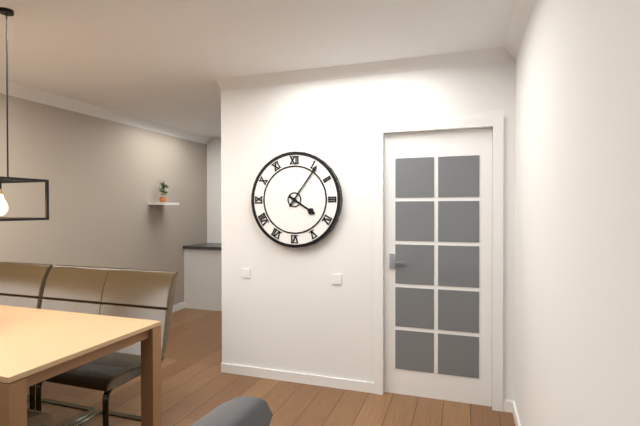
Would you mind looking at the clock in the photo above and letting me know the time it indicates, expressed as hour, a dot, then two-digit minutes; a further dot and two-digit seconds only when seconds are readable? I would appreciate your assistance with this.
4.06
